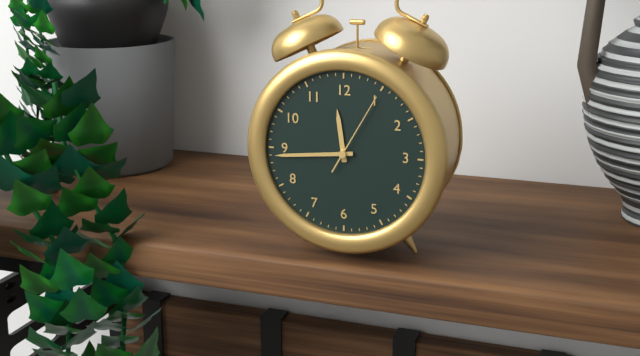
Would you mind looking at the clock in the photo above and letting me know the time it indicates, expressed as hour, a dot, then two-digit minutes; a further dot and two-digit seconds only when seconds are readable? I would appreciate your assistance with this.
11.44.05
